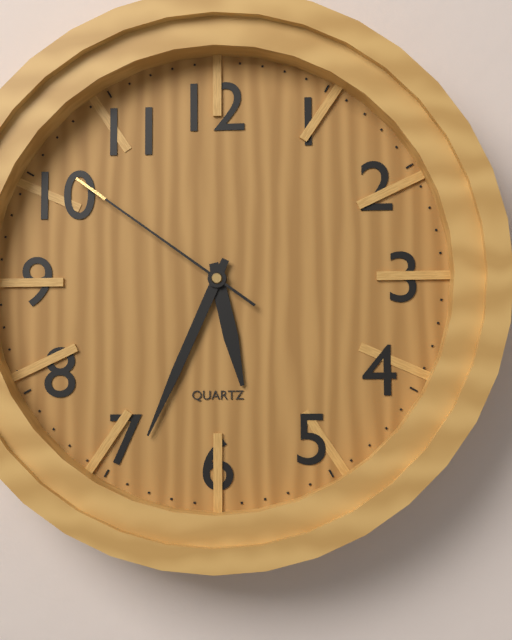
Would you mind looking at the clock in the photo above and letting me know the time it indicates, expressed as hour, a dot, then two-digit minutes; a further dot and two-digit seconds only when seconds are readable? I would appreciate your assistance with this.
5.34.51
